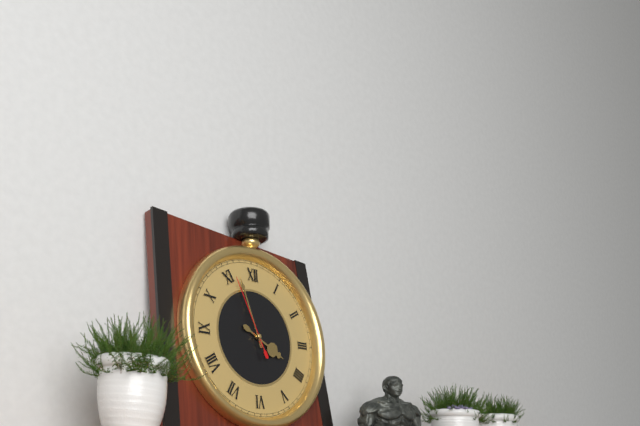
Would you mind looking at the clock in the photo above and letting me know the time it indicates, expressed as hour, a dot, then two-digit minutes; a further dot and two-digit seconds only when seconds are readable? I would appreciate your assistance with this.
3.57.56
